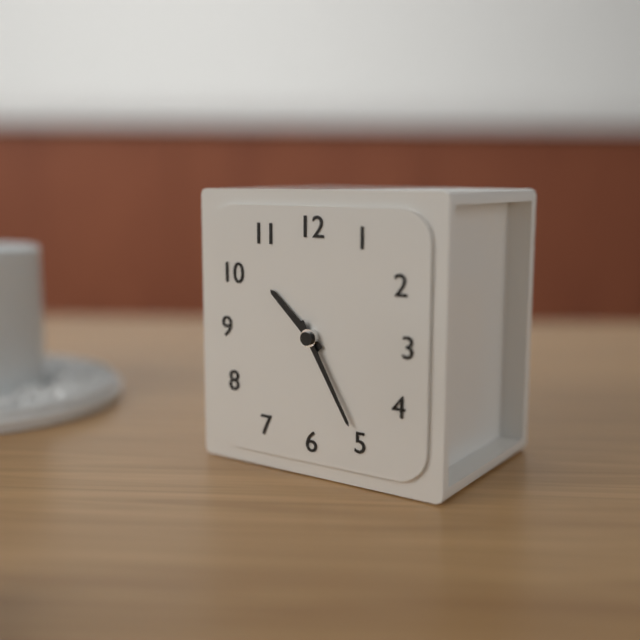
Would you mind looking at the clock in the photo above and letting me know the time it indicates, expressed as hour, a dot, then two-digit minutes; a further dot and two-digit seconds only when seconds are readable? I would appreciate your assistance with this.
10.25
